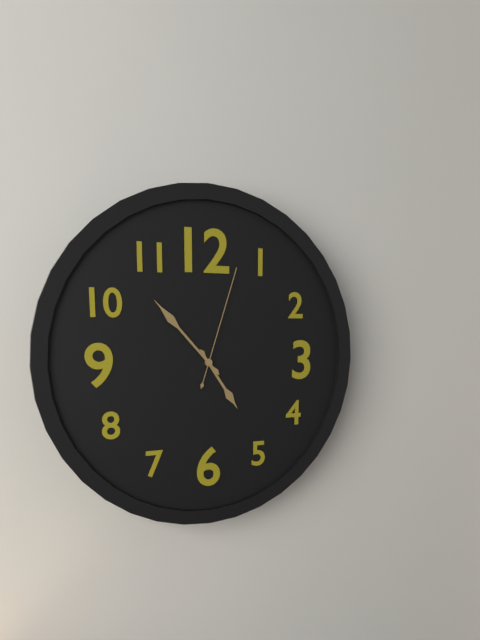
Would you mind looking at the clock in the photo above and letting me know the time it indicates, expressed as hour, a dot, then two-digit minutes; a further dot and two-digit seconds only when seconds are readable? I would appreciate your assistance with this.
4.53.03
